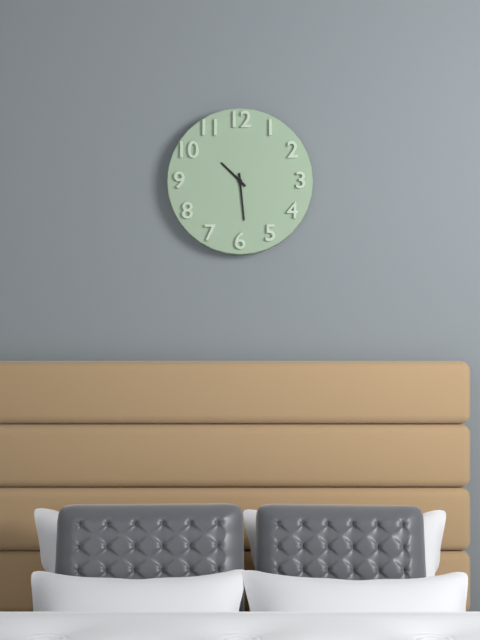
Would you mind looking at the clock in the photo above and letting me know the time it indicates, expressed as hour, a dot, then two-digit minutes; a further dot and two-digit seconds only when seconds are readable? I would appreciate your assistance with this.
10.29
